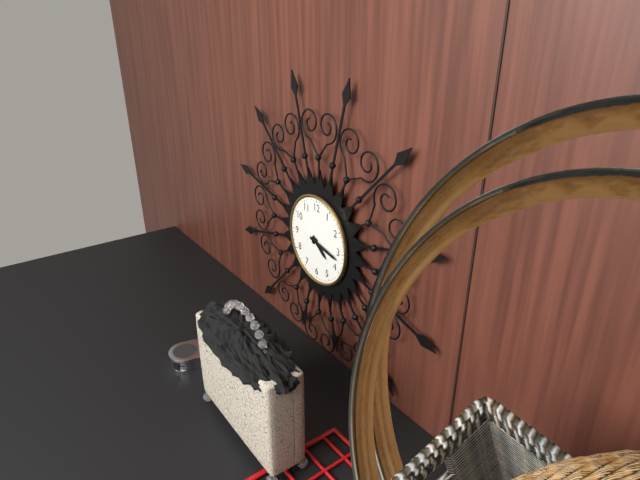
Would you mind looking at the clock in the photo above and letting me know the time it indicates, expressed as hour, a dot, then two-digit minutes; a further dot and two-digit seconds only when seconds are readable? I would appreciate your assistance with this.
4.17
